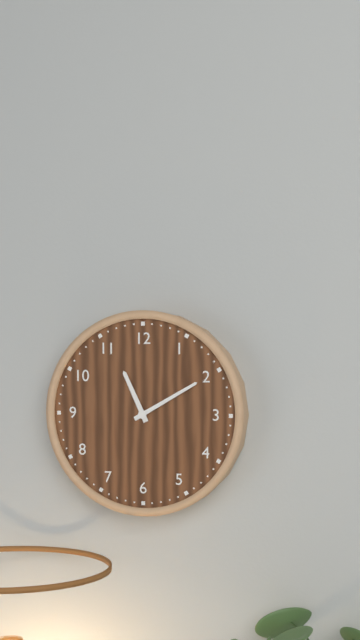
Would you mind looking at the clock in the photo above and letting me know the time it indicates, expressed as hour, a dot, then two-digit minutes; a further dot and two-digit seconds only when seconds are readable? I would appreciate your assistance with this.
11.10
